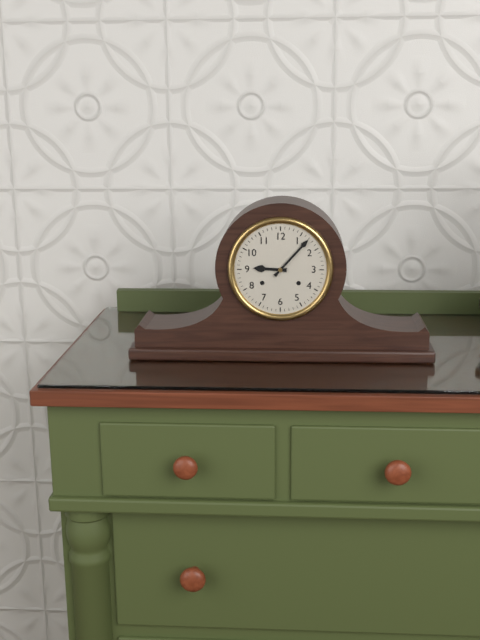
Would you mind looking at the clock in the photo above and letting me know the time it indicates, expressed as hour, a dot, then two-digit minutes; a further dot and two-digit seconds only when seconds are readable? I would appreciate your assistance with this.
9.07
